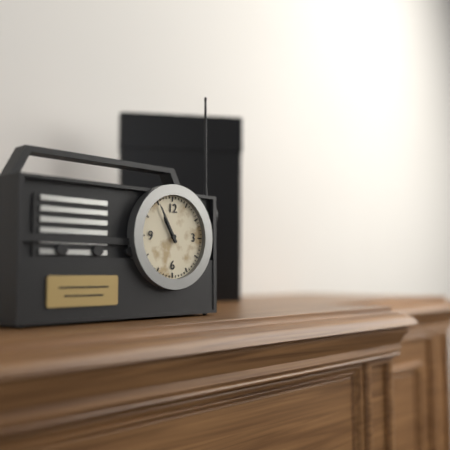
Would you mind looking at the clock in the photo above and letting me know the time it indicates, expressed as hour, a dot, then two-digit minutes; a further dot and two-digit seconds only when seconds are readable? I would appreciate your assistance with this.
10.55
